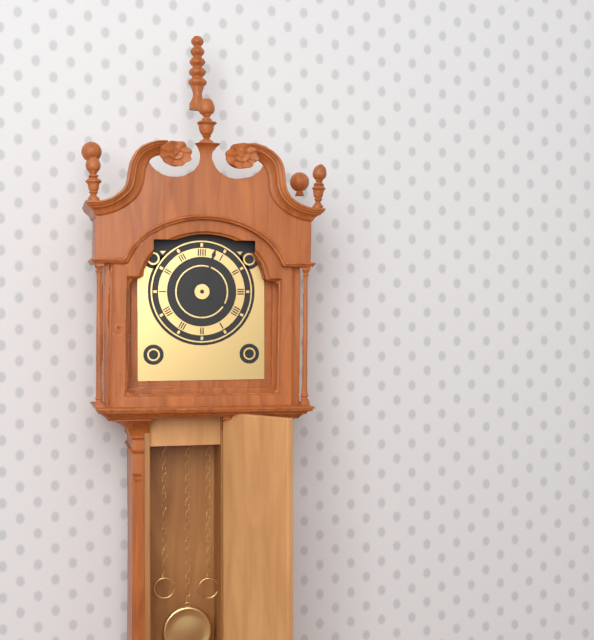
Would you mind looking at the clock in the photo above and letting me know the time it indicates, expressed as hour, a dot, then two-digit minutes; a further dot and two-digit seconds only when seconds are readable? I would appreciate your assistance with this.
4.03
